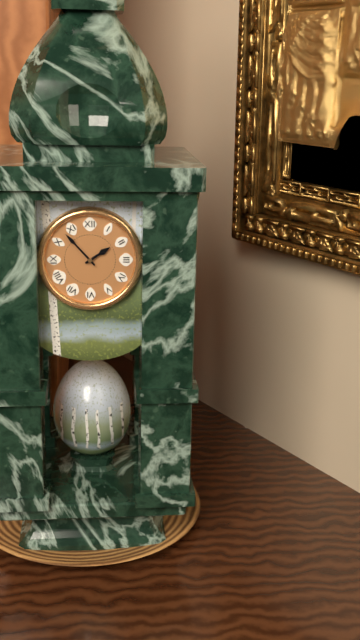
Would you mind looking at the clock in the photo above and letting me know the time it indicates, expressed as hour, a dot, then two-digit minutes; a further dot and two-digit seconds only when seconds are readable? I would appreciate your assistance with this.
1.53
